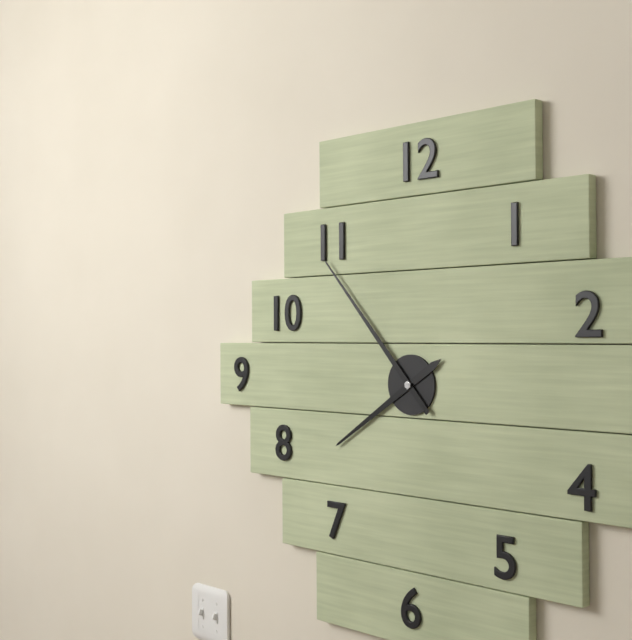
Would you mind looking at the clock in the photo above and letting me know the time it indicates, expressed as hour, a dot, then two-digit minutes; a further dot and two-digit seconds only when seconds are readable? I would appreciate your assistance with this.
7.53
